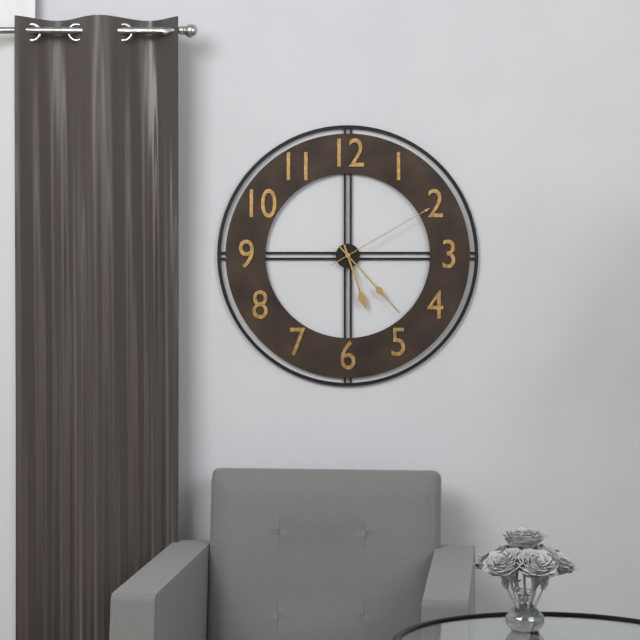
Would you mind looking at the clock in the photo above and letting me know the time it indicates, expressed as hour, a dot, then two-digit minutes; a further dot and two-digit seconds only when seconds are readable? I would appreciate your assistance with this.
5.23.10
